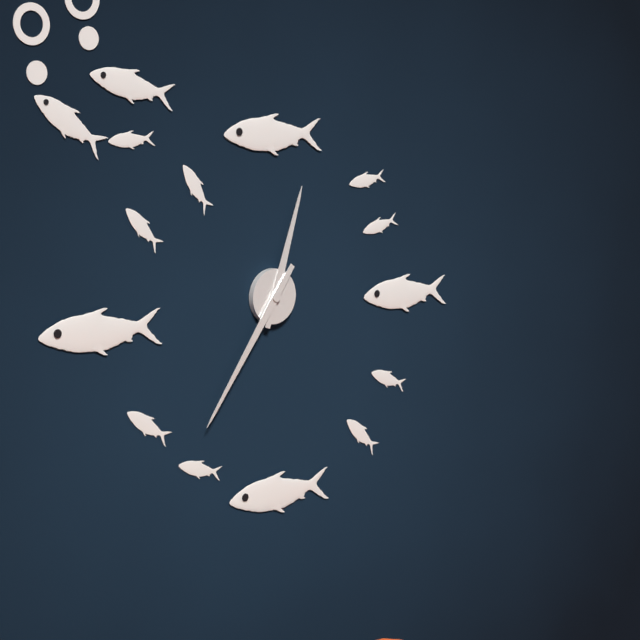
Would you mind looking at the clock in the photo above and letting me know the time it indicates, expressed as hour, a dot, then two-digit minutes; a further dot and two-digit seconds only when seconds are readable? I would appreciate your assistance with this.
12.36
